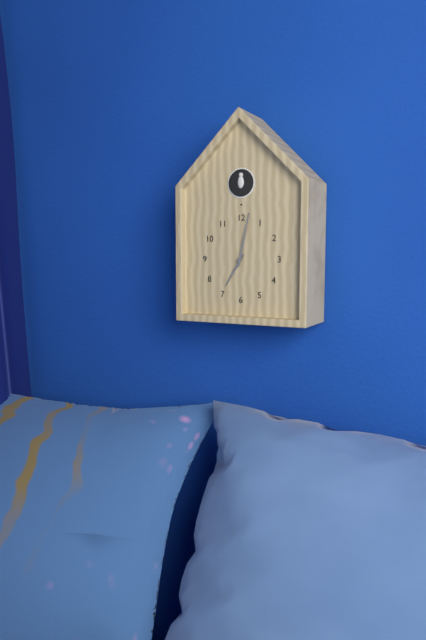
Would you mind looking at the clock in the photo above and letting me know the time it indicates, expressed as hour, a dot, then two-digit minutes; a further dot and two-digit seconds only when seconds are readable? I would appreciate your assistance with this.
7.02
